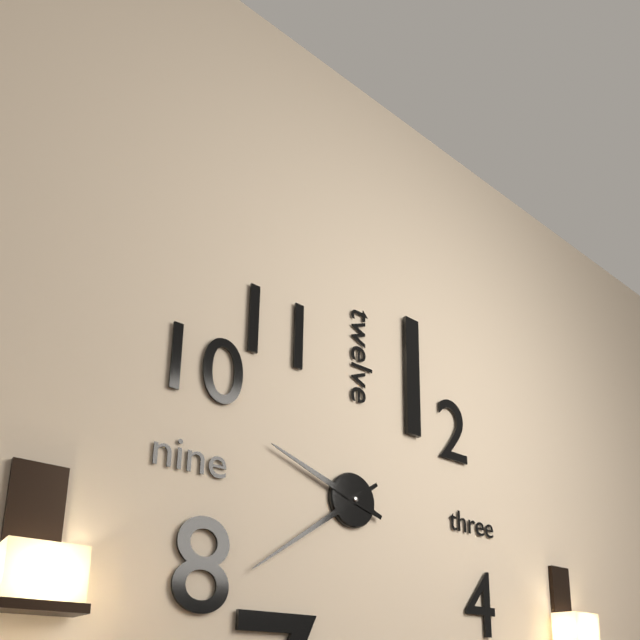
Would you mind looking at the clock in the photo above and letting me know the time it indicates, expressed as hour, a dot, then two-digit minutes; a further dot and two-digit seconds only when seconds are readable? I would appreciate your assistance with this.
9.39
